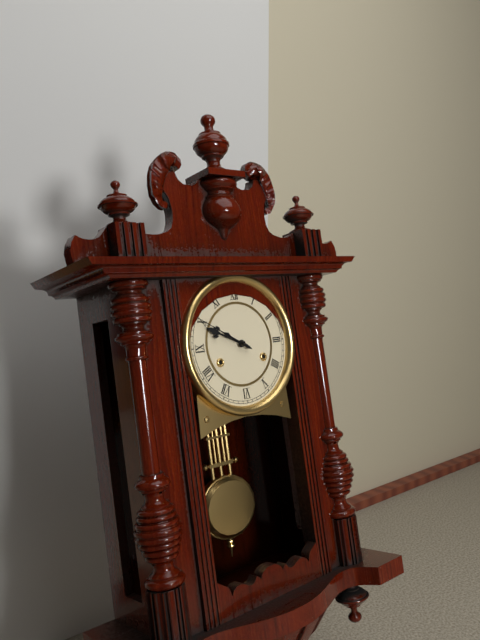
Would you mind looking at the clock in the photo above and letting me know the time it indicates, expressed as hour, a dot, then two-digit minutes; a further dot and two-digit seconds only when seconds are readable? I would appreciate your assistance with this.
9.50
